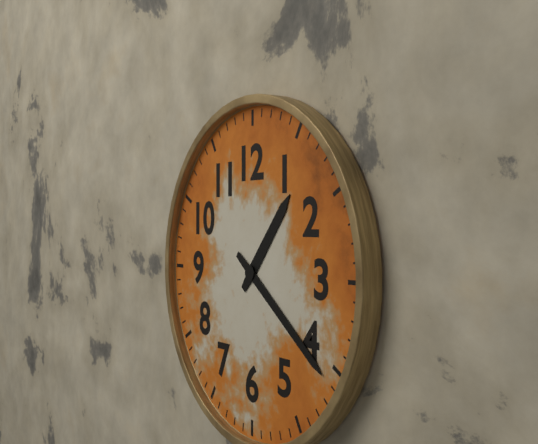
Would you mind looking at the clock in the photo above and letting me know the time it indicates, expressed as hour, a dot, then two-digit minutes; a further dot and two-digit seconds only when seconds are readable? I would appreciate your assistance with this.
1.21
